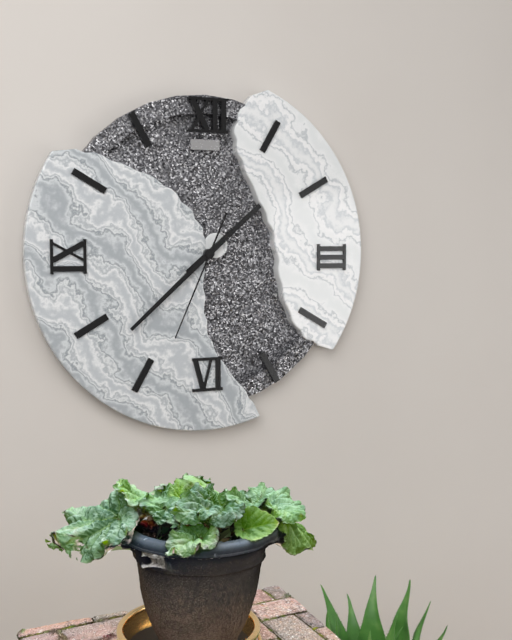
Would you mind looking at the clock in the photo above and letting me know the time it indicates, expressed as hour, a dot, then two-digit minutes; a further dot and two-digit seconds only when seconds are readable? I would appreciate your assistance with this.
1.38.34
